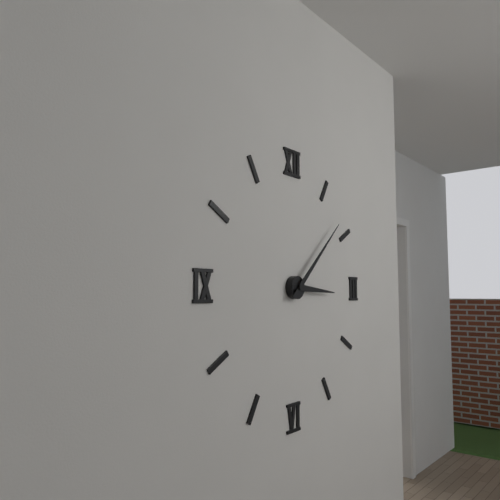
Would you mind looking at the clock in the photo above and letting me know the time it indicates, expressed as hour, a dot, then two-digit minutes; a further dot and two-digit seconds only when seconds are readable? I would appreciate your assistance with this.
3.08
